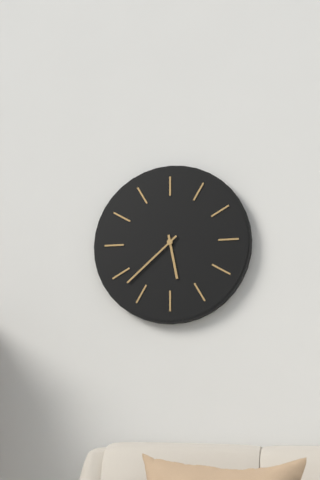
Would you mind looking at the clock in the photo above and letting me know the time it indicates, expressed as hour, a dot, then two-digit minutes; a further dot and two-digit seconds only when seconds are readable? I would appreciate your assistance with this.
5.38
